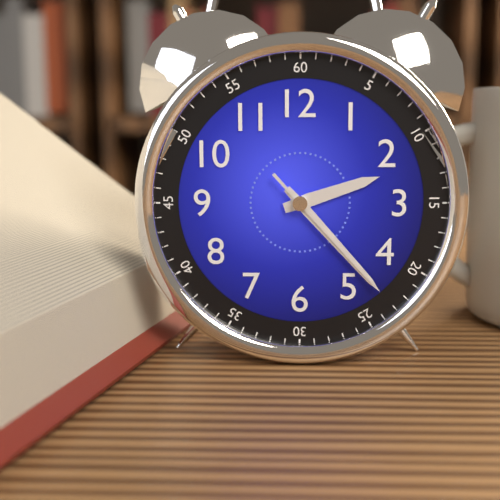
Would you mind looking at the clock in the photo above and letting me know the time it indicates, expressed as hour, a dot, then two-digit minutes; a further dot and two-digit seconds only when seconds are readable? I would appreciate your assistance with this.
2.23.23
